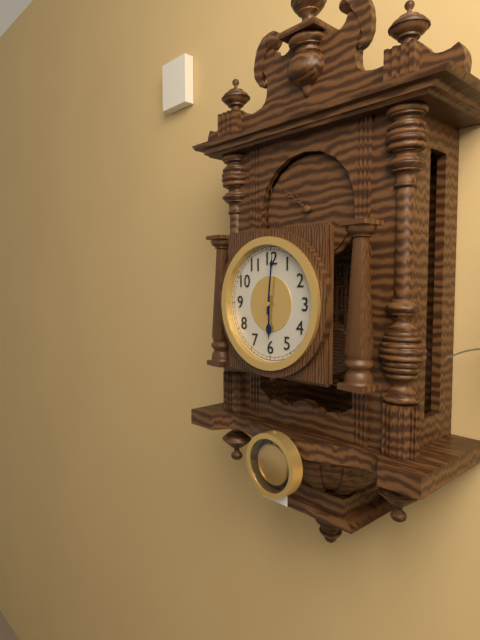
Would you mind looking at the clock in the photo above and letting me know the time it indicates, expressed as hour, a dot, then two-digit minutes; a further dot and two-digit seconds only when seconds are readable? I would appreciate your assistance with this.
6.01
